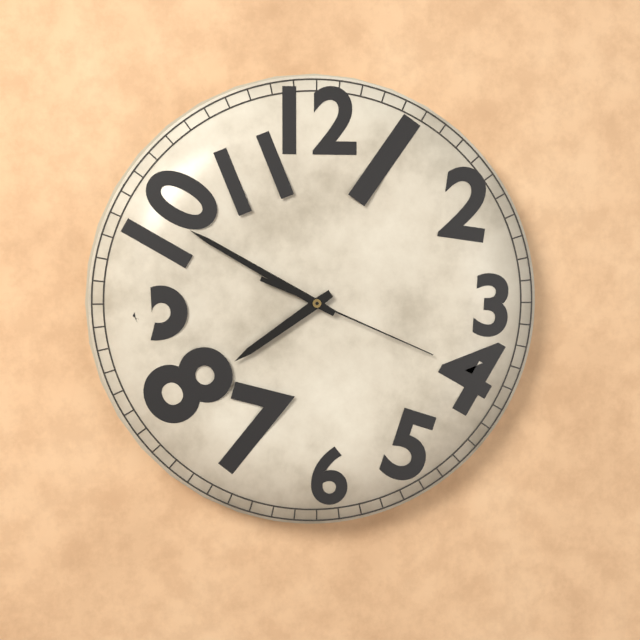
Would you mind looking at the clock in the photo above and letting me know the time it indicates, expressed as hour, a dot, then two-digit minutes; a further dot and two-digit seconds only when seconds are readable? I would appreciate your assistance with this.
7.50.19
